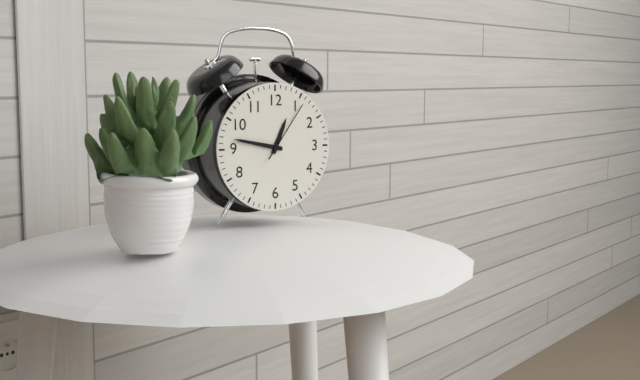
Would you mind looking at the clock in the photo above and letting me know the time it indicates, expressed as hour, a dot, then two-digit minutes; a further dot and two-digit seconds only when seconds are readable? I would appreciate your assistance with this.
12.47.06
